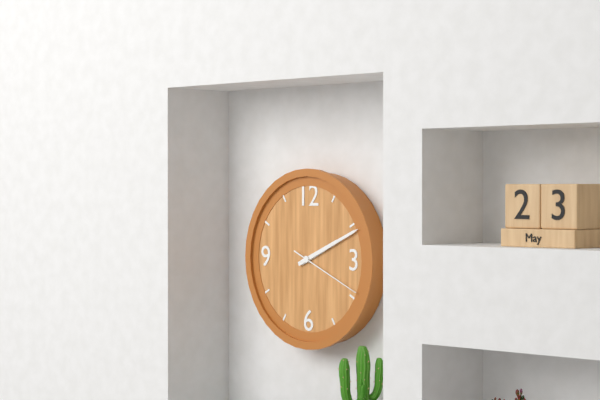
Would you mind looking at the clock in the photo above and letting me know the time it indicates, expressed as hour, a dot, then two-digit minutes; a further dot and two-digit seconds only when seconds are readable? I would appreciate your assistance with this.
2.11.19
